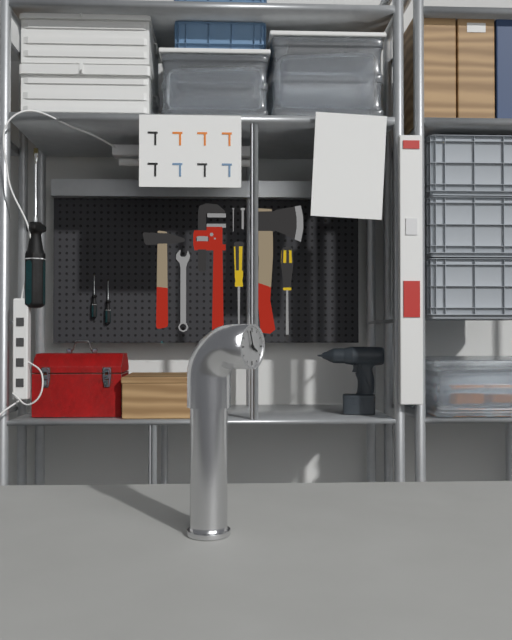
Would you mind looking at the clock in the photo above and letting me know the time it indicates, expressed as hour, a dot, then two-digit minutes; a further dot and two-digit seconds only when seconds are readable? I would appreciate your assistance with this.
3.57
